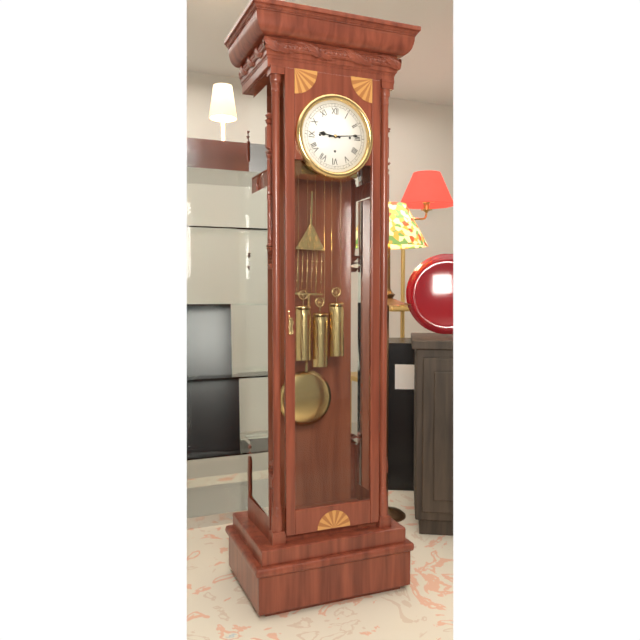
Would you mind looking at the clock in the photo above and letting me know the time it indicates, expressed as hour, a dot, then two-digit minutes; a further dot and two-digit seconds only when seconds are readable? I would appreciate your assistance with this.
9.14
